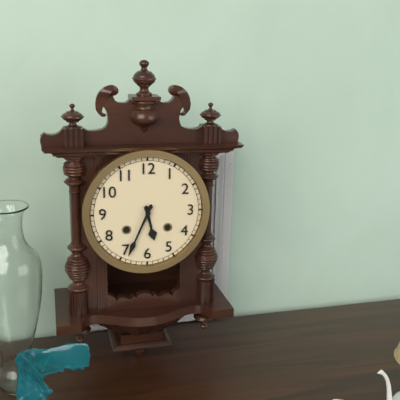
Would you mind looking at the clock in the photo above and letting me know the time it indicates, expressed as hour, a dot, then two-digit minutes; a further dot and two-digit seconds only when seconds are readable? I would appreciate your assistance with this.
5.34
